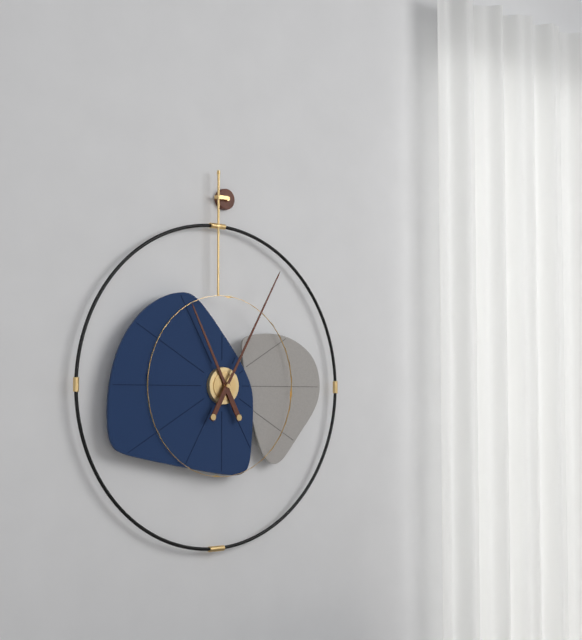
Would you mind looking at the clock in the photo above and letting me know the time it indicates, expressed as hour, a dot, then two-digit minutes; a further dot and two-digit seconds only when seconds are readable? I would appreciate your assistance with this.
11.05
